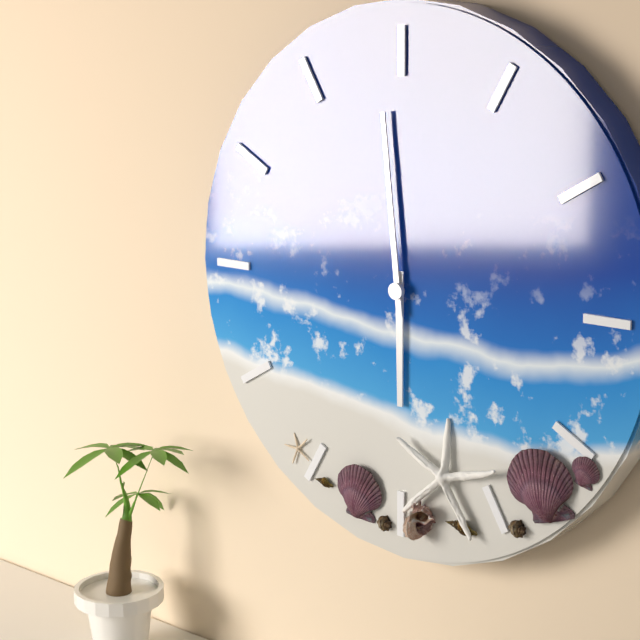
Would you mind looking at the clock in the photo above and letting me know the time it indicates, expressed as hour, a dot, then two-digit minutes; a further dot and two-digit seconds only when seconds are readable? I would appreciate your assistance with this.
5.59
